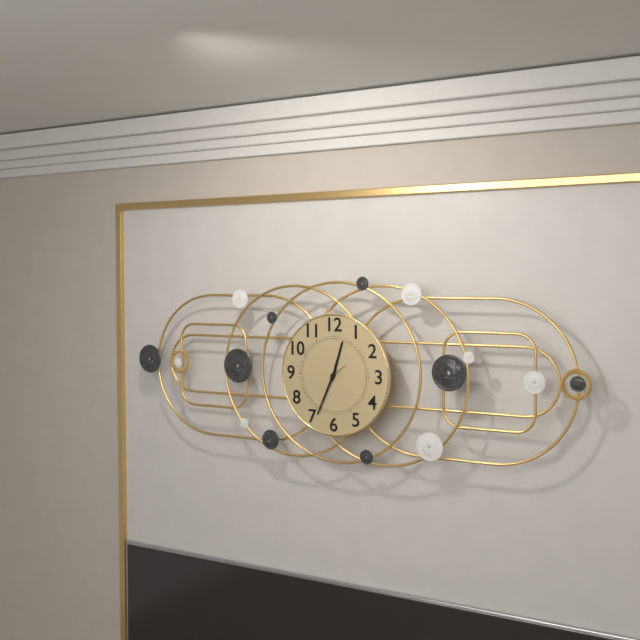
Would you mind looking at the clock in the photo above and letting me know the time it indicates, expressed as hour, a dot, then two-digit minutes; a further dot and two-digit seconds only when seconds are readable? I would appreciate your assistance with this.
12.34
